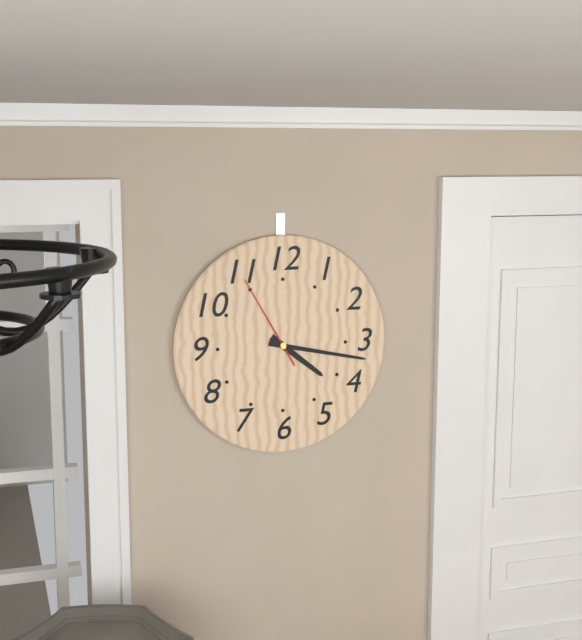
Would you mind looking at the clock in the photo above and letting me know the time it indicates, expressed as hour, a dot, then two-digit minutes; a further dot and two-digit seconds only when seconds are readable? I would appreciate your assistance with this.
4.17.55
